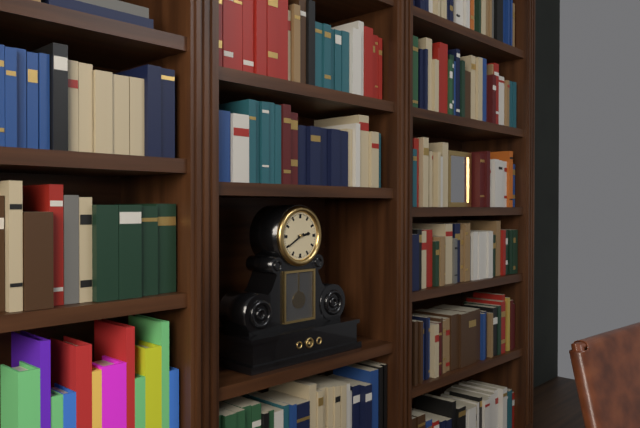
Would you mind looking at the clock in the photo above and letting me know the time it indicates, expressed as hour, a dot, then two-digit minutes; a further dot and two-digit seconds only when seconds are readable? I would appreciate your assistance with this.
2.40
